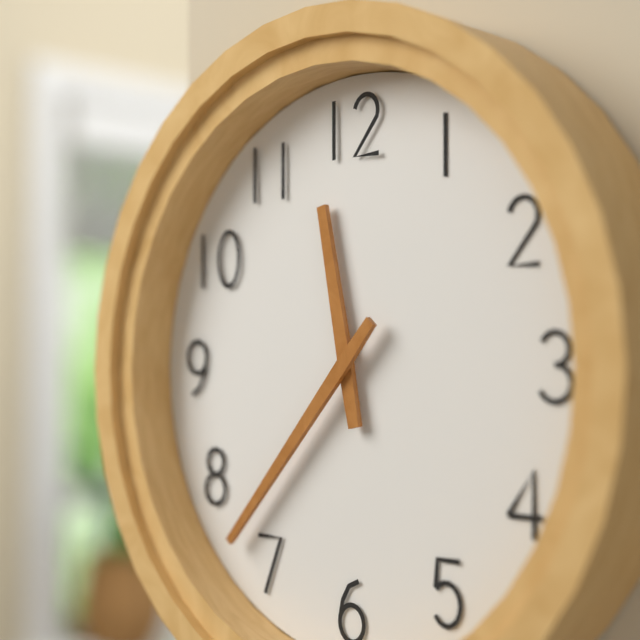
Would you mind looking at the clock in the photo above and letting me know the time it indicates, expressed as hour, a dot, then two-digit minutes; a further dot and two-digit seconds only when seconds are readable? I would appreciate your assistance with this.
11.37
